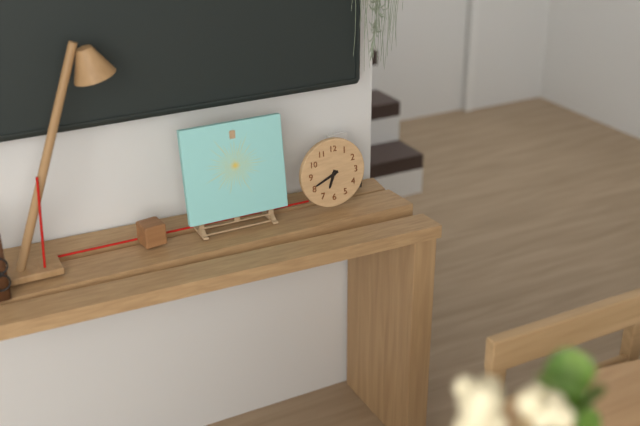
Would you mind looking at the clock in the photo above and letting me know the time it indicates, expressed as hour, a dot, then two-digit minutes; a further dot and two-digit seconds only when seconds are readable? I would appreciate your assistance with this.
6.41
